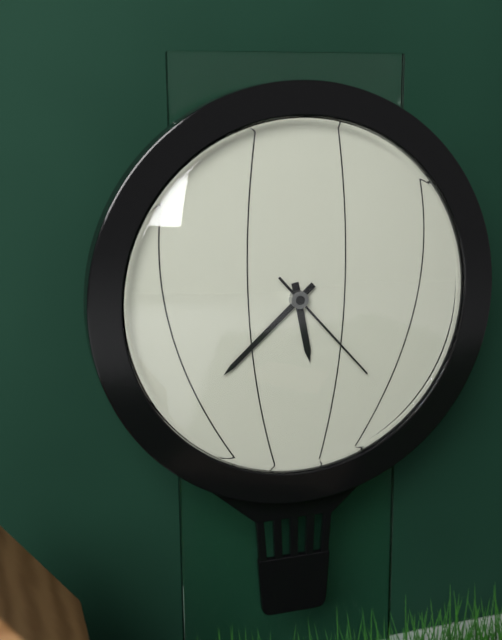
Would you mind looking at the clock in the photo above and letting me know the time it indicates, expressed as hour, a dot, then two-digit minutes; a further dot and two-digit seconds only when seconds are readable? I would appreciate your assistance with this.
5.38.23
